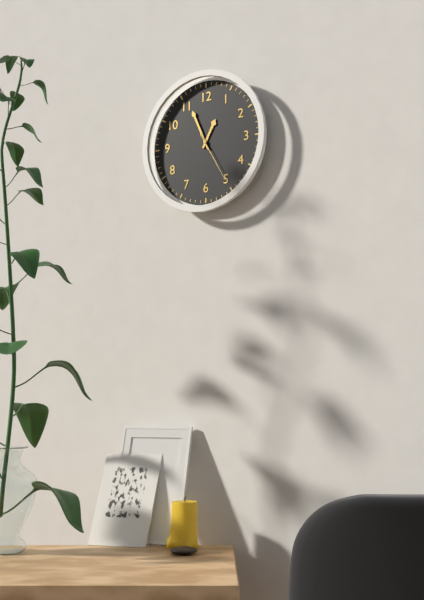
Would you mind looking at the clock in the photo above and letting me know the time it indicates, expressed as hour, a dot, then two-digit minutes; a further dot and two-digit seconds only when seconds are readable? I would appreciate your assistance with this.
12.56.25
